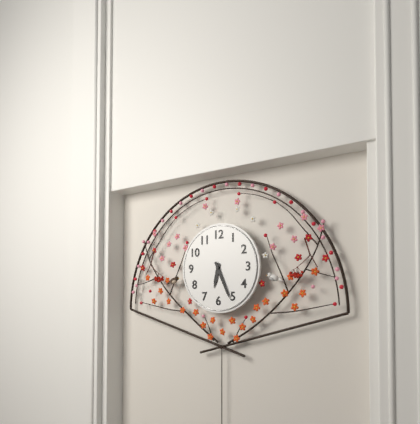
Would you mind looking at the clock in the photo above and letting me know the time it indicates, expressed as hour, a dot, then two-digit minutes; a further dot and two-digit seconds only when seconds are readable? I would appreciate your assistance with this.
6.26
